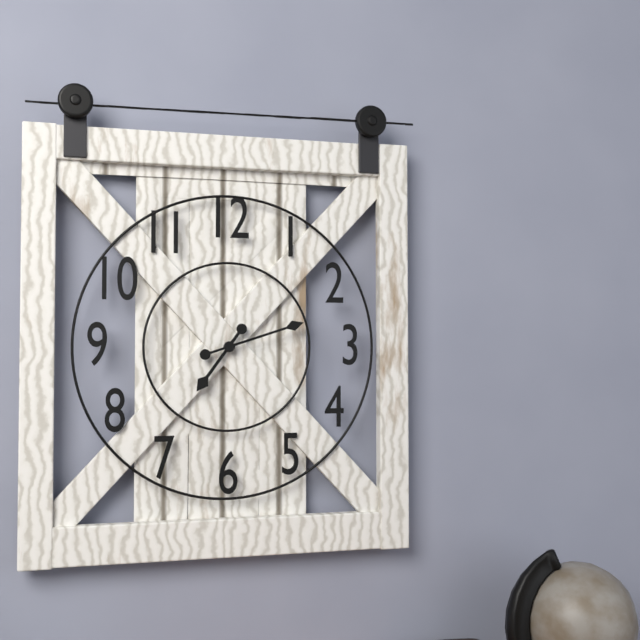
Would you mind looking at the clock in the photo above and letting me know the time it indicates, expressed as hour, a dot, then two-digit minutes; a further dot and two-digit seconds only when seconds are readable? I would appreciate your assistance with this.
7.12
